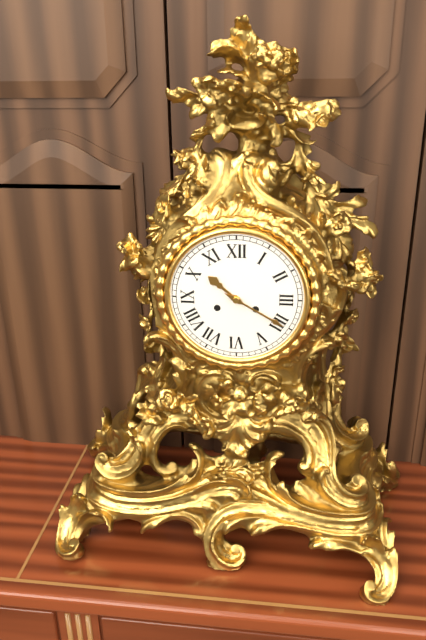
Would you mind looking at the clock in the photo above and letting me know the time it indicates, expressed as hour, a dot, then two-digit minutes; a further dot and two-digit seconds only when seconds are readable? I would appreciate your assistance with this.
10.20
